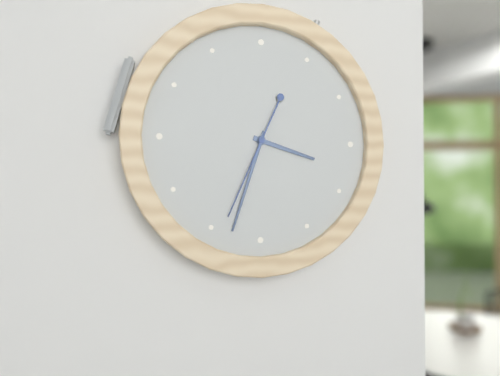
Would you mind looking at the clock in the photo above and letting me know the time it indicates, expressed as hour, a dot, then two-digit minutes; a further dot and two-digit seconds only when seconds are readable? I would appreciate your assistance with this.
3.33.34
